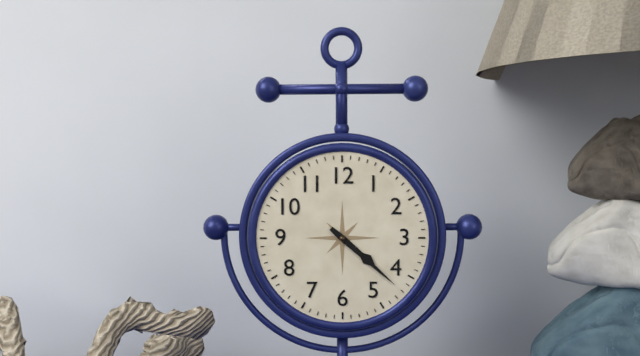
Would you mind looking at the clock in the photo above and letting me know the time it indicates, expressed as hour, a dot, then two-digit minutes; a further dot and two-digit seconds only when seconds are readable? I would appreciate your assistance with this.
4.22
